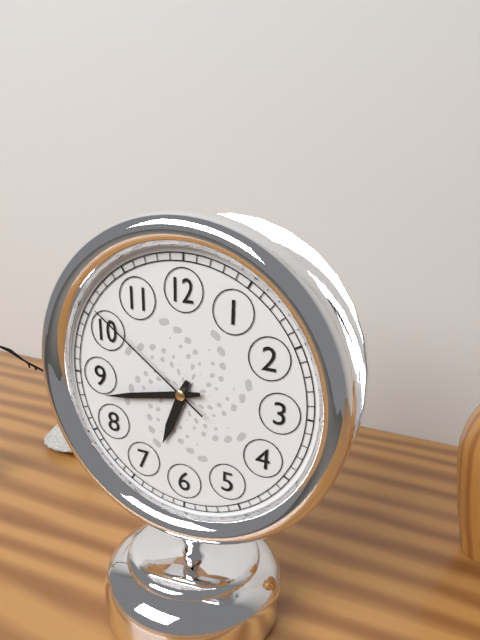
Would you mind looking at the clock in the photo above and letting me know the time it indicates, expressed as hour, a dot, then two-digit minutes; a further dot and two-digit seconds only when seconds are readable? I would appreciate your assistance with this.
6.43.51
